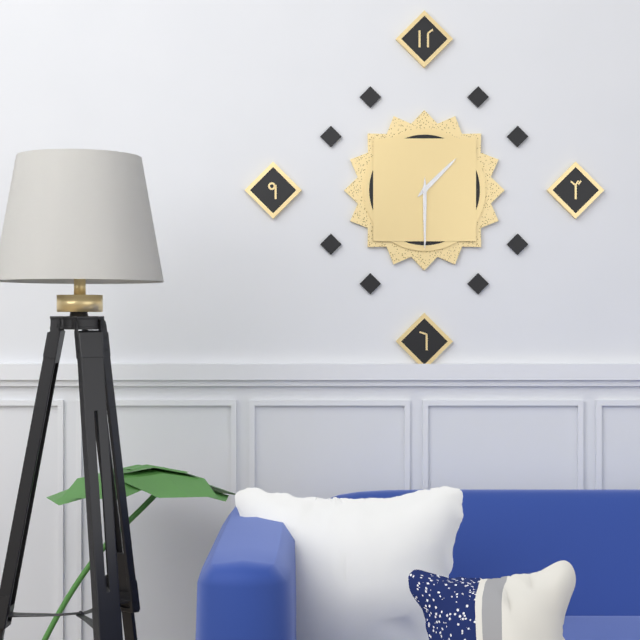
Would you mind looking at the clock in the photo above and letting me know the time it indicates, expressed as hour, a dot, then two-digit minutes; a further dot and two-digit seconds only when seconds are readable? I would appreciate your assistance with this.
1.30
